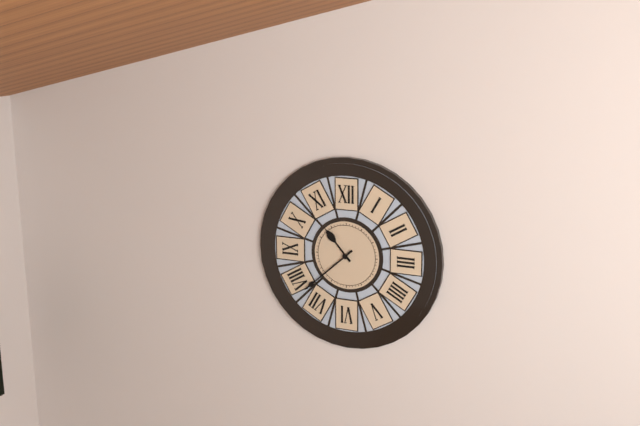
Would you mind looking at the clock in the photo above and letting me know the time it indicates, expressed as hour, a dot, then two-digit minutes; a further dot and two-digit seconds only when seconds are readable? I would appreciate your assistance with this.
10.38
